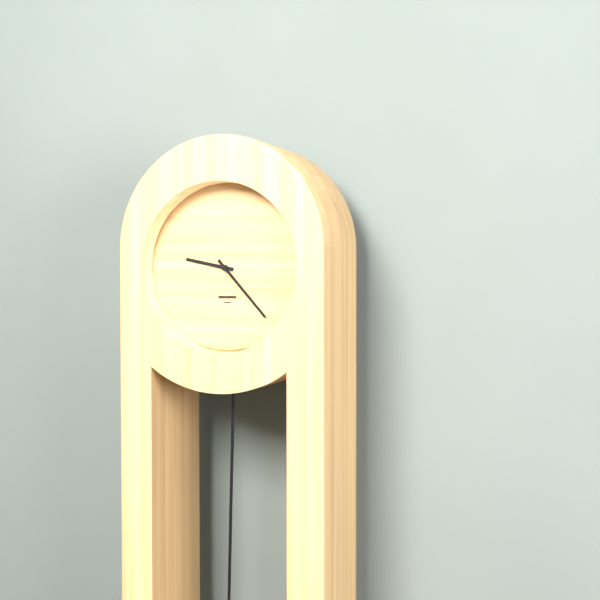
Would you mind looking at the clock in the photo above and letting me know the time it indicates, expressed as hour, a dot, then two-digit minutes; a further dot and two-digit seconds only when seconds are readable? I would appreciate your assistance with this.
9.23
